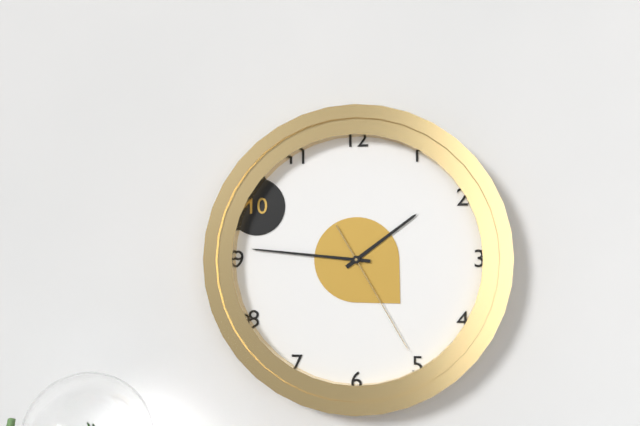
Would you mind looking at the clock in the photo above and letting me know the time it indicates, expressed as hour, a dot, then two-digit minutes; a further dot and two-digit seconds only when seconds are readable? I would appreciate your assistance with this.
1.46.25
